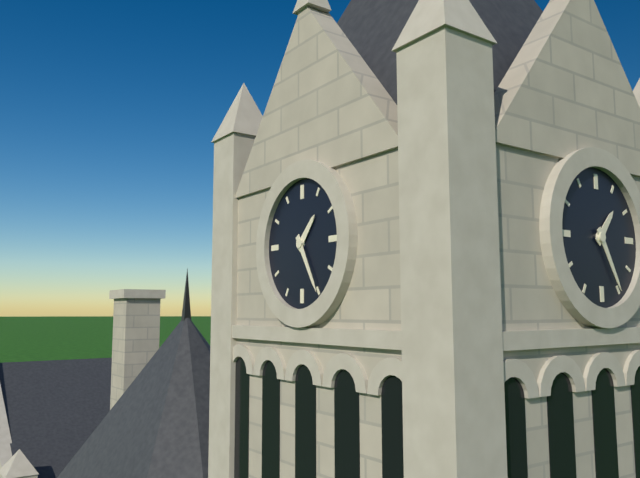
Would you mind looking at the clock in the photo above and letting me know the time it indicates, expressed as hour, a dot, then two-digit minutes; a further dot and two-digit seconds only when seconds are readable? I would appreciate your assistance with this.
1.25
